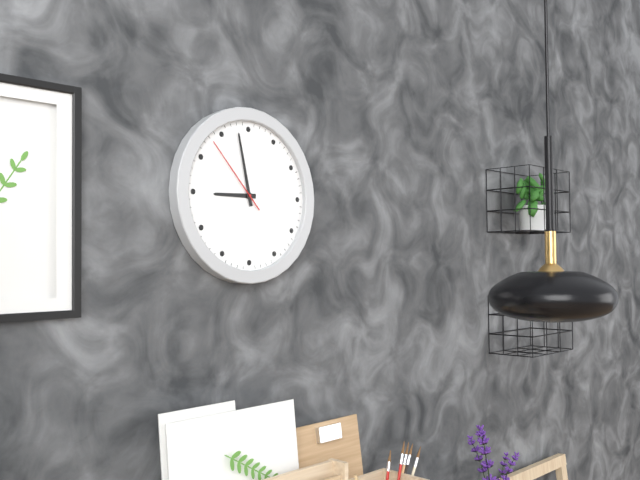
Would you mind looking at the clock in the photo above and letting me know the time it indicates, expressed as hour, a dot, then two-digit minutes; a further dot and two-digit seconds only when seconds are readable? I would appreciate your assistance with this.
8.58.53
